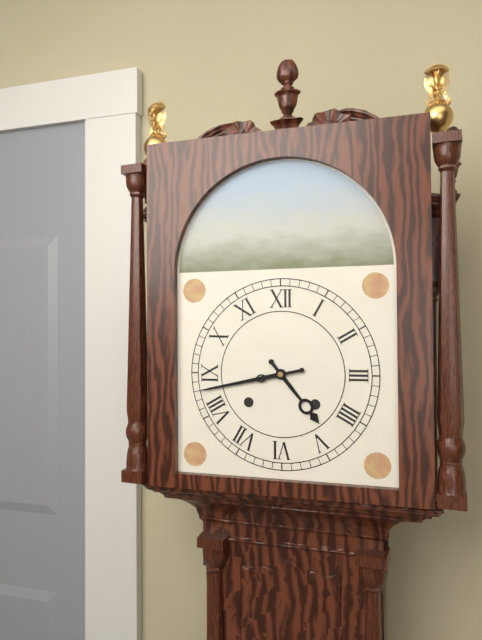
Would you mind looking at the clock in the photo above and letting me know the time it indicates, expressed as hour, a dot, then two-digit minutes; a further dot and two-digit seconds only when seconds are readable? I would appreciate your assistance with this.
4.43
